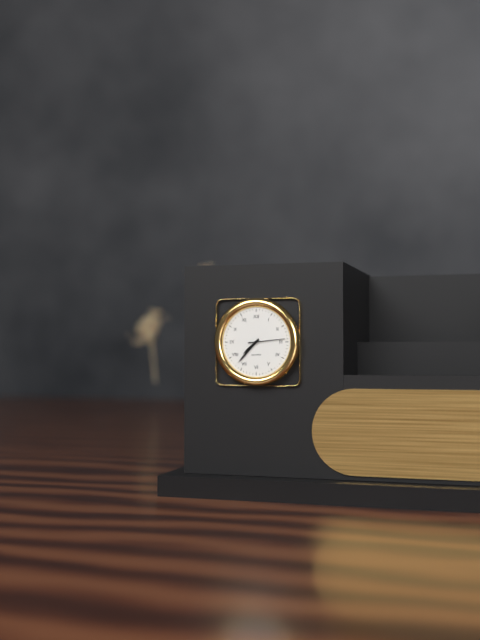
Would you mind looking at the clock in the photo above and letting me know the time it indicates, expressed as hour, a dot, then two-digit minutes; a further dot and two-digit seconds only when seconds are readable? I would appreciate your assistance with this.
7.37
